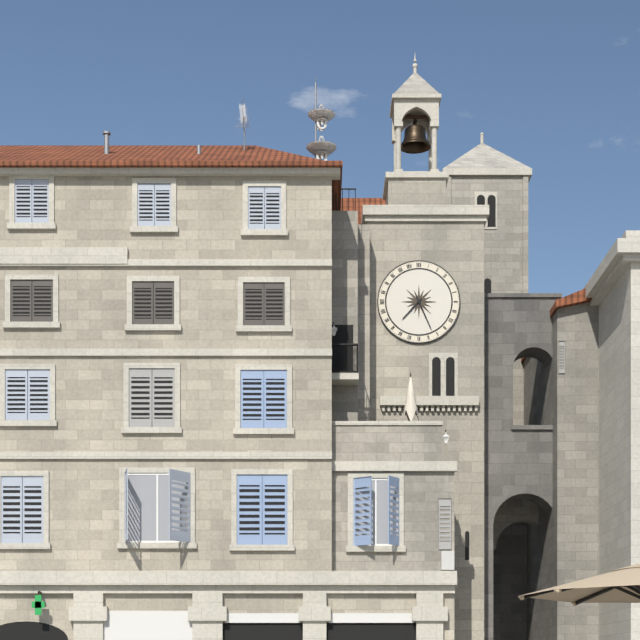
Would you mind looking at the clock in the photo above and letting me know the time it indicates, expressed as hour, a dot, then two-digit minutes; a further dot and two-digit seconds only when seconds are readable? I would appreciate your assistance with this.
7.26
